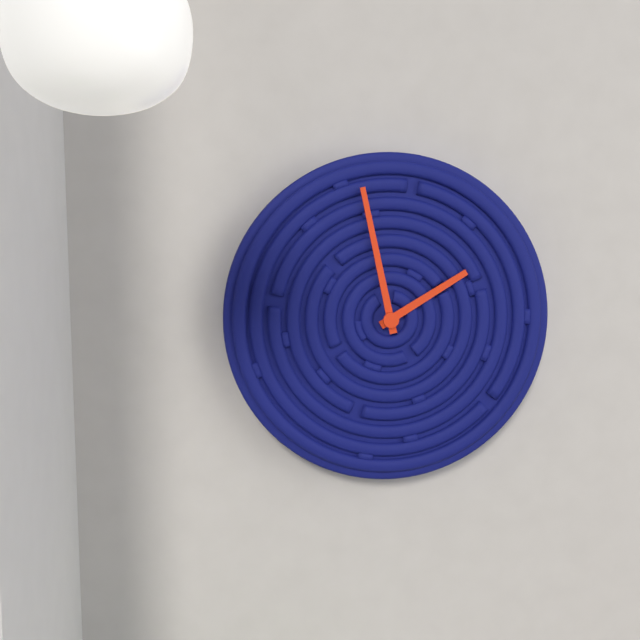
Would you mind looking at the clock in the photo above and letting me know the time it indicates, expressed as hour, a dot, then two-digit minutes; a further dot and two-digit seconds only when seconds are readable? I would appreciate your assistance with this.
1.58
